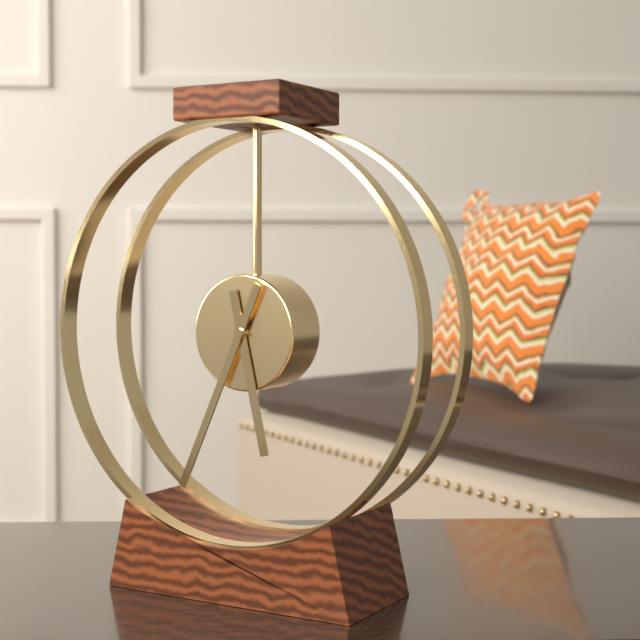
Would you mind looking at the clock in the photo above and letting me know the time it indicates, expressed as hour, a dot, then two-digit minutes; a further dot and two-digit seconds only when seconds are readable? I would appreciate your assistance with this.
5.34
